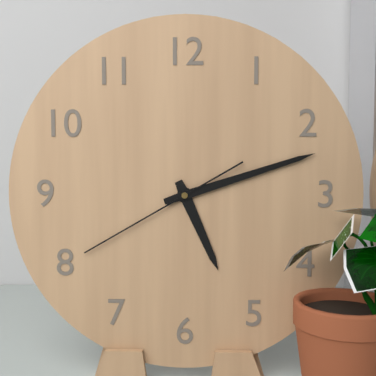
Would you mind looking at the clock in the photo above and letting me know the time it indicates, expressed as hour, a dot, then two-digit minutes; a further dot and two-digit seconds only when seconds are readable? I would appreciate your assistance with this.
5.12.40
